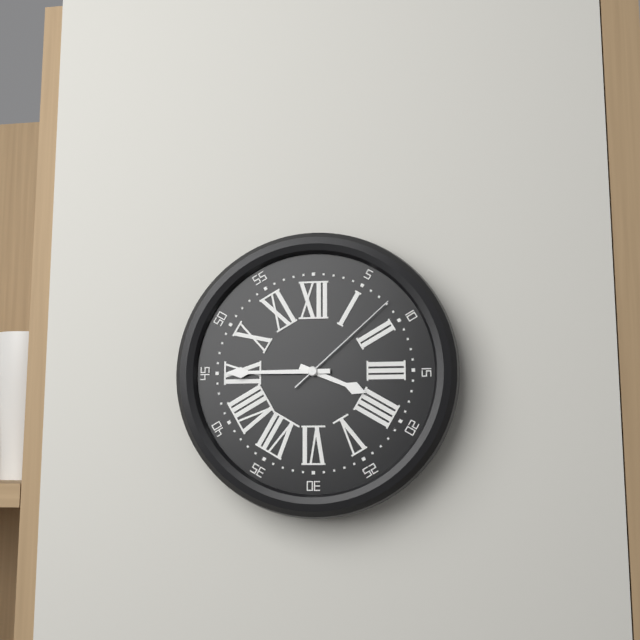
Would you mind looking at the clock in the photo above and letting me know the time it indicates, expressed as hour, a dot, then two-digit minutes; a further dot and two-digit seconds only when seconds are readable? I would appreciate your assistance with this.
3.45.08
